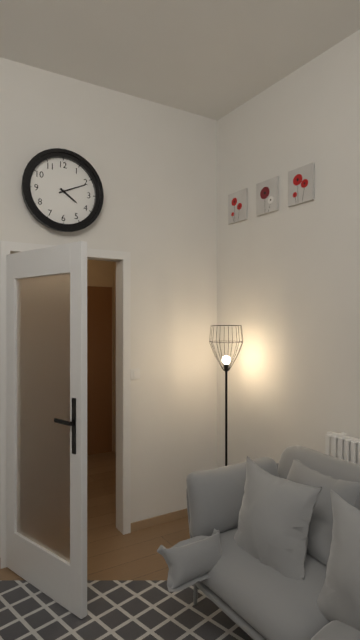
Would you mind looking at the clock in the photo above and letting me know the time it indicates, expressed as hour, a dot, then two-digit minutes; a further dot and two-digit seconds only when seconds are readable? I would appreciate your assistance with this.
4.11
